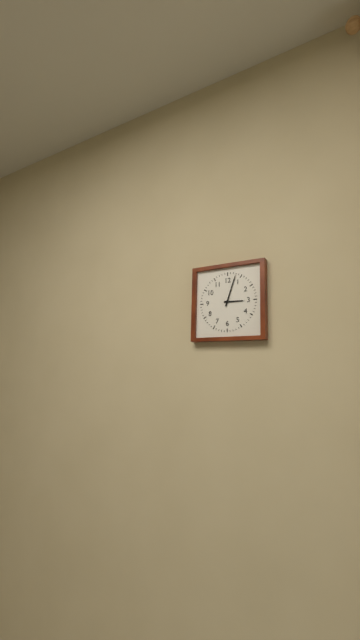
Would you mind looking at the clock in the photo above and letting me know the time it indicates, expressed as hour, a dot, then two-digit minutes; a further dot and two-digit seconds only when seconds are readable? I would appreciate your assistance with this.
3.03
